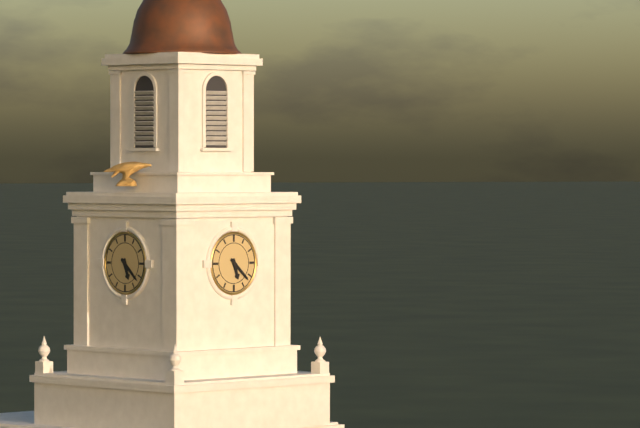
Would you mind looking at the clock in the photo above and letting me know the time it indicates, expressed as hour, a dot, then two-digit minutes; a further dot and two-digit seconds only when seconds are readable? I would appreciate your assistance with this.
5.22
